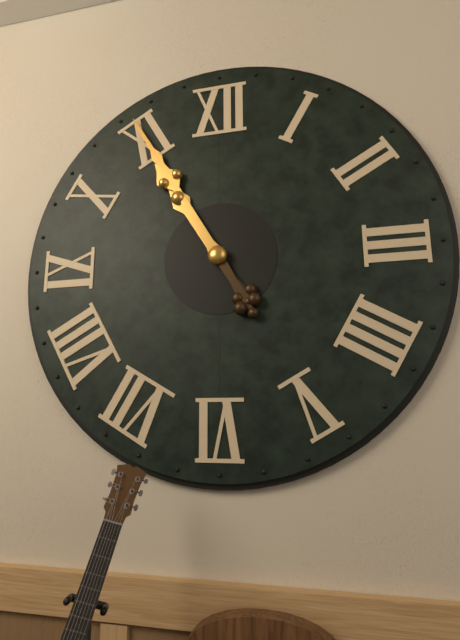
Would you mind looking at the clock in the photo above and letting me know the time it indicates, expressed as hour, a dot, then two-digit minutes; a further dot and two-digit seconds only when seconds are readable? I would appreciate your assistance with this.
10.55
